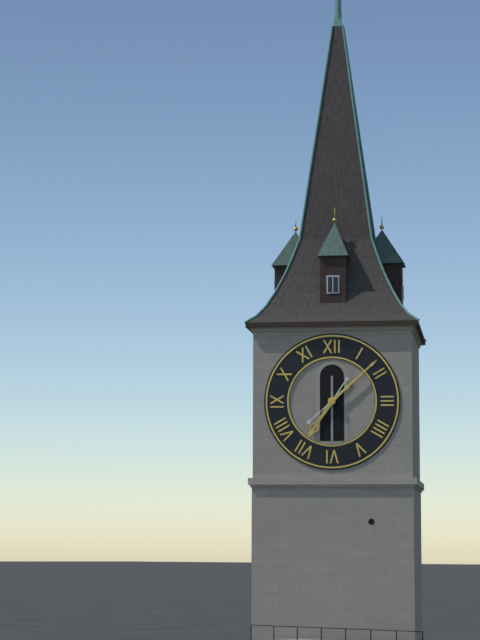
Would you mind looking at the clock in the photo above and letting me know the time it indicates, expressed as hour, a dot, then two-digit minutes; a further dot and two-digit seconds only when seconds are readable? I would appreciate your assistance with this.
7.08
